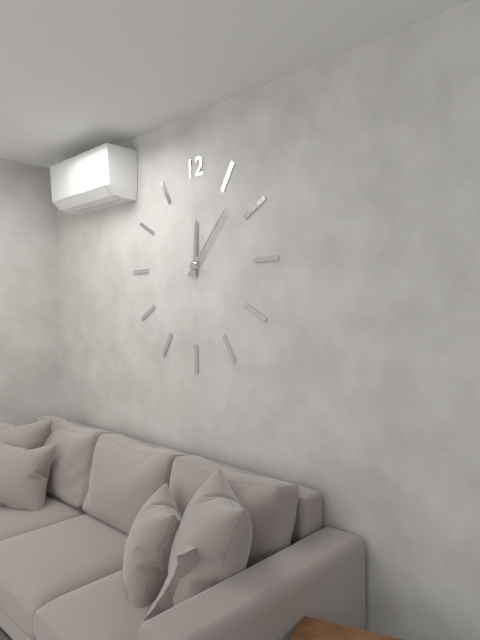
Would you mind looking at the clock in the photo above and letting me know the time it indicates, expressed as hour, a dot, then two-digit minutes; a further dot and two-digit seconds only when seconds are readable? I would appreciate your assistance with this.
12.07
